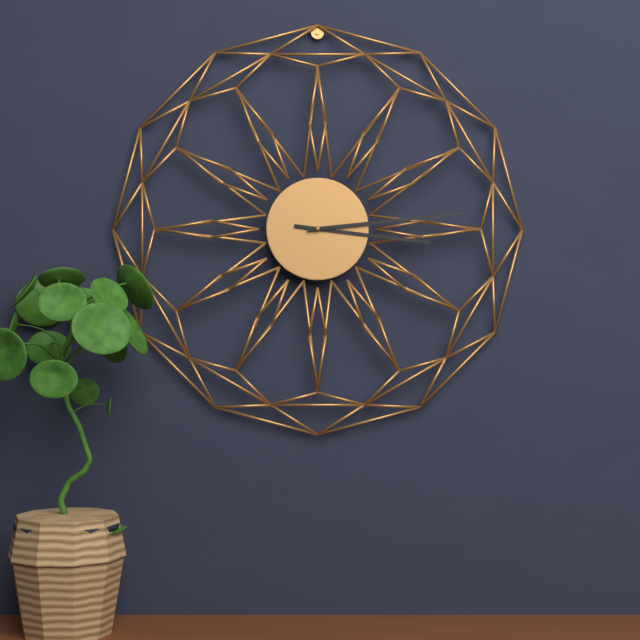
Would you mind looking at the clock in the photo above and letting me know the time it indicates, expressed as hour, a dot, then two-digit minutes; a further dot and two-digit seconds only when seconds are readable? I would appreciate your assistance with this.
3.14
